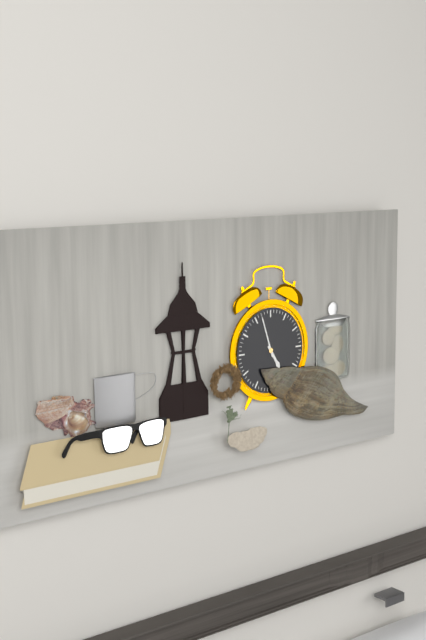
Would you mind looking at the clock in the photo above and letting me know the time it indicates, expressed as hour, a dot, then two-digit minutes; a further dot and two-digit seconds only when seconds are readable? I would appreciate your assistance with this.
4.57
